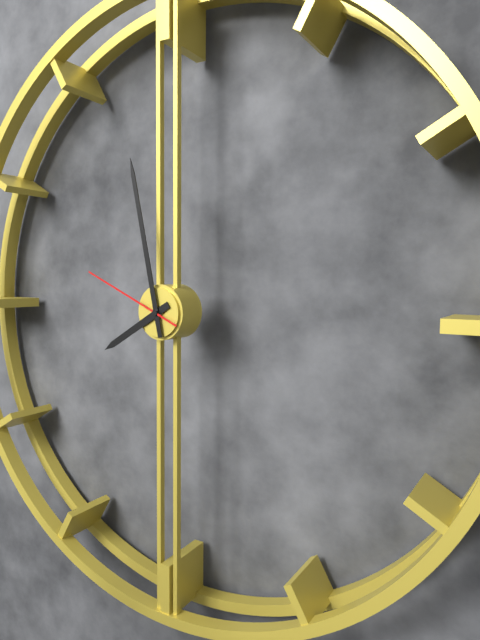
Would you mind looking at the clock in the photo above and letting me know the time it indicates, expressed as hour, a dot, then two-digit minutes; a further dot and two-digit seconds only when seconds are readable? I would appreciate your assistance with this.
7.58.49
